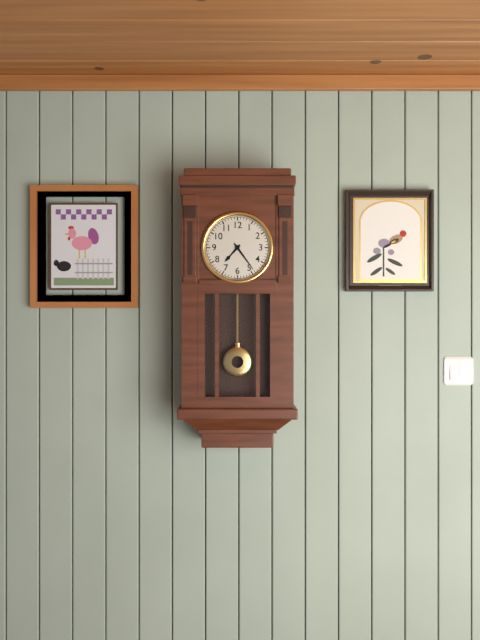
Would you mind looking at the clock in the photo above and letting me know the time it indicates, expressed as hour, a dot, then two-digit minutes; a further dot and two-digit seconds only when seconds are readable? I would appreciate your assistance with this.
7.24
